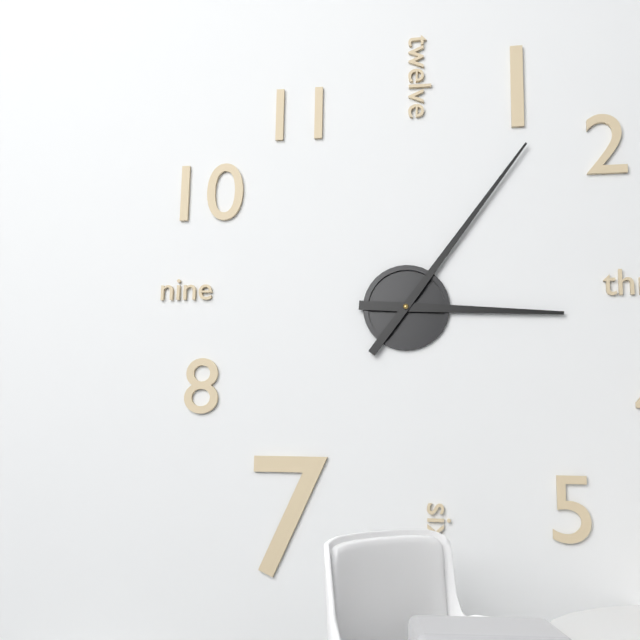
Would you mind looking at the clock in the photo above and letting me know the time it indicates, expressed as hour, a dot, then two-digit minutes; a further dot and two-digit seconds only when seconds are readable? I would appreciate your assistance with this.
3.06
